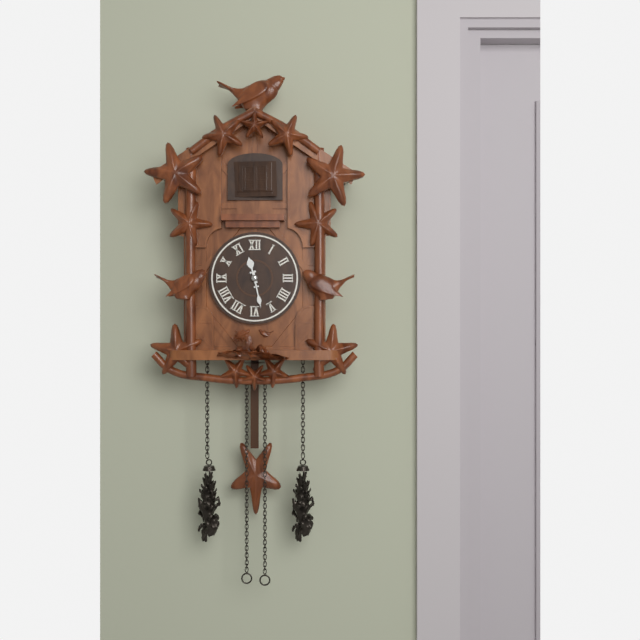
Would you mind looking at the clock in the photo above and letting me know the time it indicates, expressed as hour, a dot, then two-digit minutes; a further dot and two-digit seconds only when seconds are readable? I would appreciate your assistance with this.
11.28
